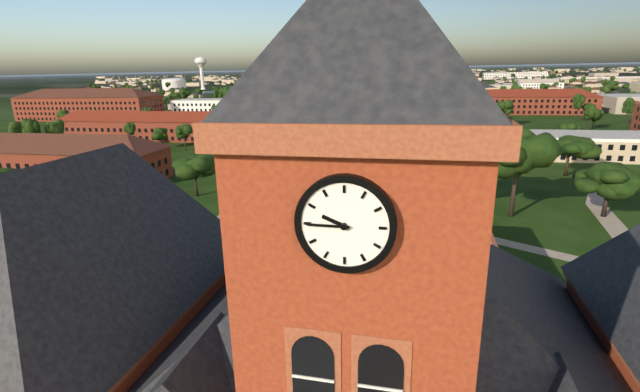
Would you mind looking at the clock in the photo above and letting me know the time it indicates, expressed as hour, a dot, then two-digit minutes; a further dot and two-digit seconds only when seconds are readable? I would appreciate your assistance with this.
9.45
